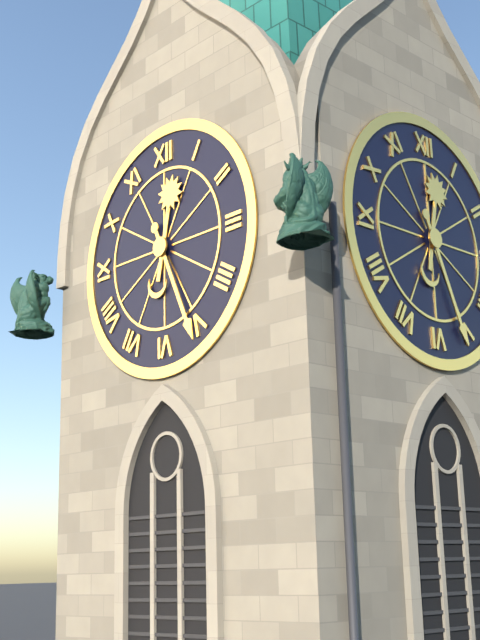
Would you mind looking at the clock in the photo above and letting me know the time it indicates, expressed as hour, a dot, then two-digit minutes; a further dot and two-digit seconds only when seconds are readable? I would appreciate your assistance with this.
12.26
